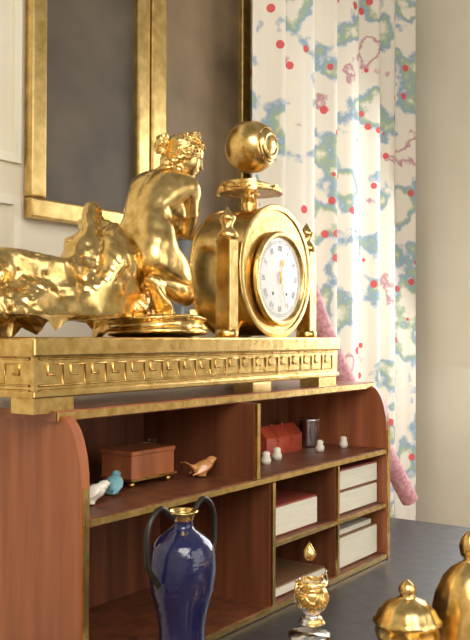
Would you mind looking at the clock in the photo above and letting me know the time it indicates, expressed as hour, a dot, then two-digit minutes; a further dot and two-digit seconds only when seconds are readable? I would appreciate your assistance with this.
12.27
